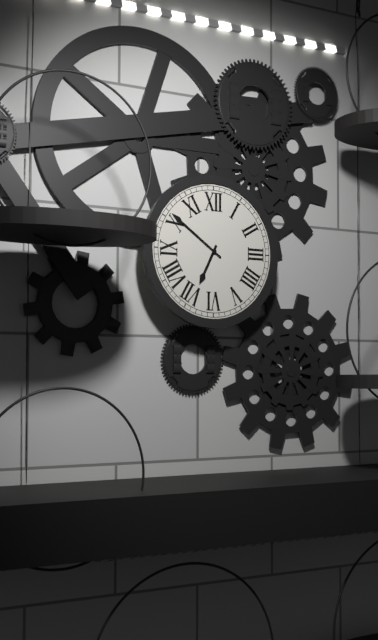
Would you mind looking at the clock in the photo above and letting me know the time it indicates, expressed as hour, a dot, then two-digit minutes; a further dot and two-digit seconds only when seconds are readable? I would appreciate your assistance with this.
6.51
